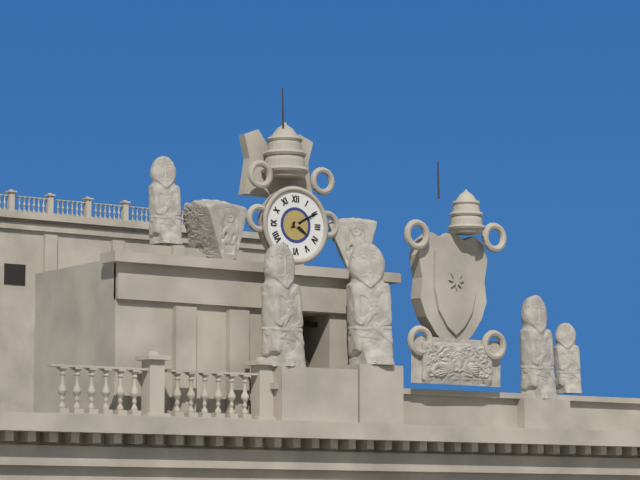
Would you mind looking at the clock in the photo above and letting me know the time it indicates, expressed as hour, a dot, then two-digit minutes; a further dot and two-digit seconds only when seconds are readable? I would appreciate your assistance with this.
4.10
